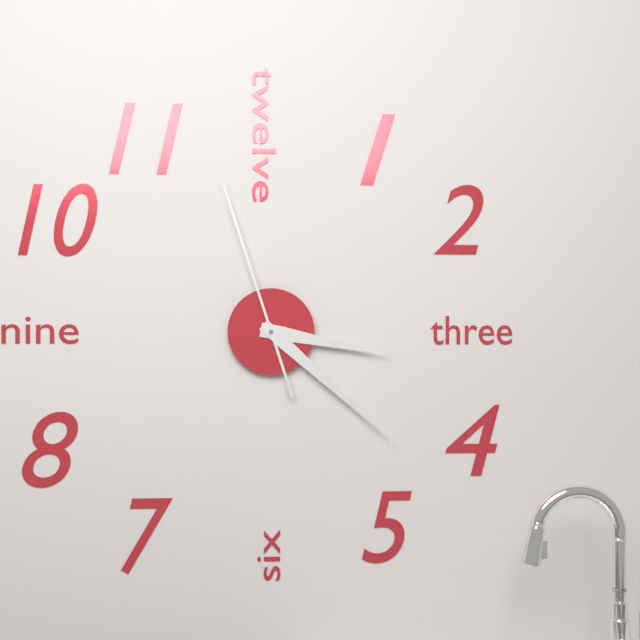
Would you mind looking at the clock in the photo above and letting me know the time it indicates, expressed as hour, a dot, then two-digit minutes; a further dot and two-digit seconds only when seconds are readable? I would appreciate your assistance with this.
3.22.57
